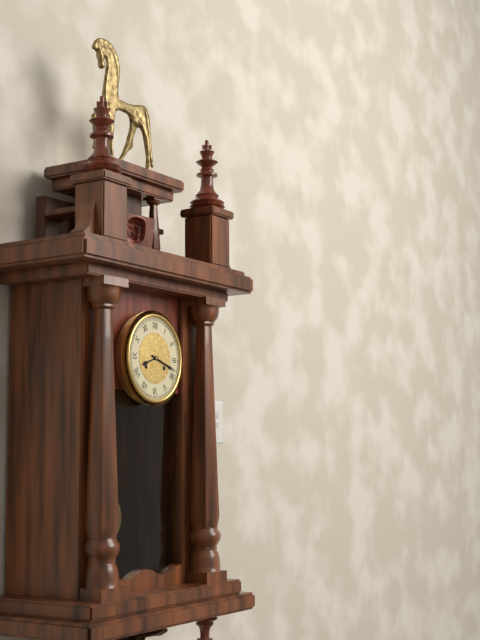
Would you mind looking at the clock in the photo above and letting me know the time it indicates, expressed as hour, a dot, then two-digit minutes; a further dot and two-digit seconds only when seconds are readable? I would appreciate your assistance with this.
8.18
